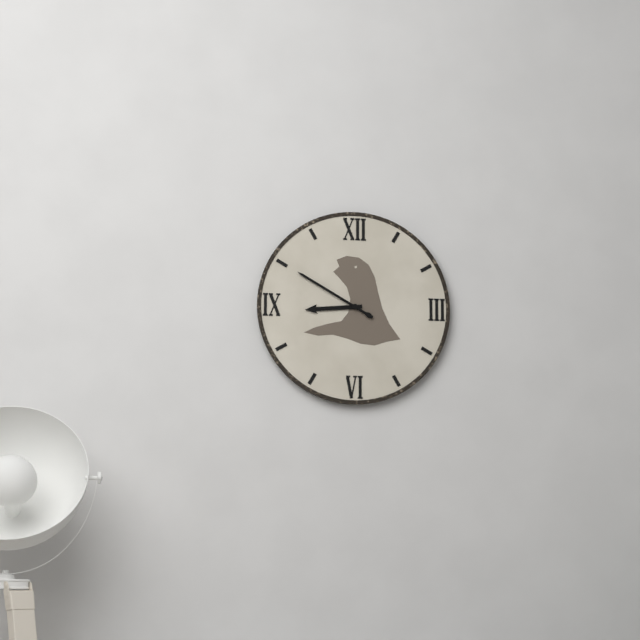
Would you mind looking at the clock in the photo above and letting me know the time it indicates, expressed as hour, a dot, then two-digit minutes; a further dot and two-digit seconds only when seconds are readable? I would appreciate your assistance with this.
8.50
